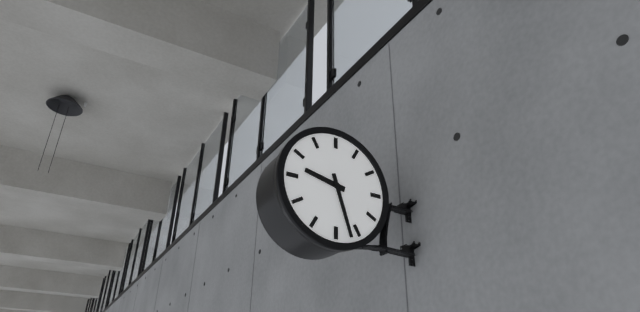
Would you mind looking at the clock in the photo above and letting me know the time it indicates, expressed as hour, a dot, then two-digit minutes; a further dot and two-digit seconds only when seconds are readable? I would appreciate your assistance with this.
9.27
